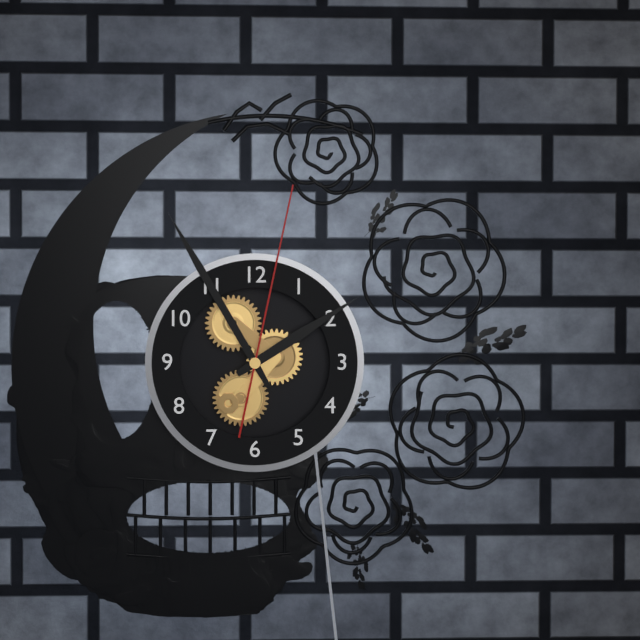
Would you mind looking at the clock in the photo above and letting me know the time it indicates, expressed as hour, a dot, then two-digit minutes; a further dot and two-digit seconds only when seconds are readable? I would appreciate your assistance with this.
1.55.02
